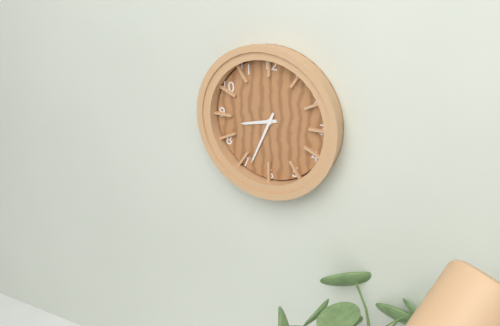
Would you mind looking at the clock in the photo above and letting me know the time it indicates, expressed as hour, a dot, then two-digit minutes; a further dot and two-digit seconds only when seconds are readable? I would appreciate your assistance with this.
8.34
